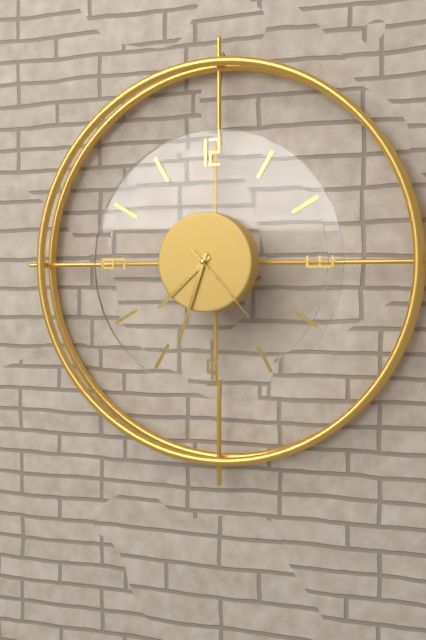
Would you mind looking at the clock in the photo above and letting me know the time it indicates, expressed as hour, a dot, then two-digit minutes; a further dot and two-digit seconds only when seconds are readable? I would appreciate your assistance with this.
7.33.23
